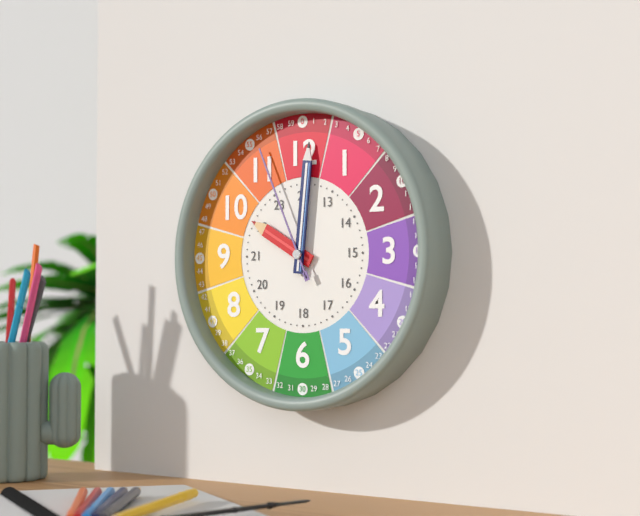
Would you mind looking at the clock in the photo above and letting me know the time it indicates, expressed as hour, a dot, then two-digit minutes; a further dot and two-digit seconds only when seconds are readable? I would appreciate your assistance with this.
10.01.56
